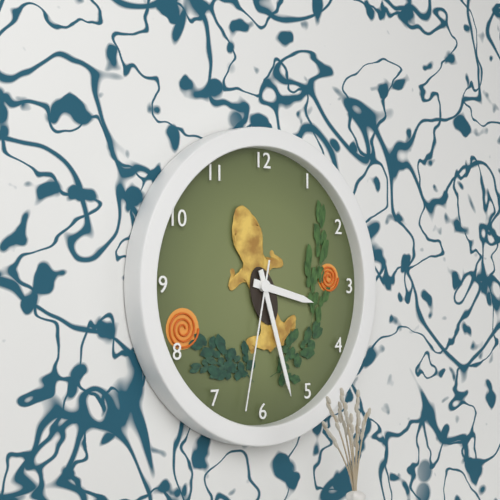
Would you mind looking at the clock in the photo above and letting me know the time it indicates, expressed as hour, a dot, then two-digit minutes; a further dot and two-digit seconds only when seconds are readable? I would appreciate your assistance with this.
3.27.32
